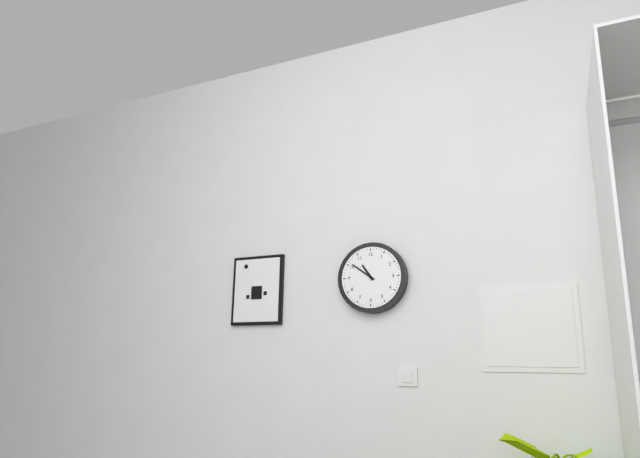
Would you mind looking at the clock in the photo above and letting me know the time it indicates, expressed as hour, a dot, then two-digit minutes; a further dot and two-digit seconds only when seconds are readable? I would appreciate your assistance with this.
10.51
